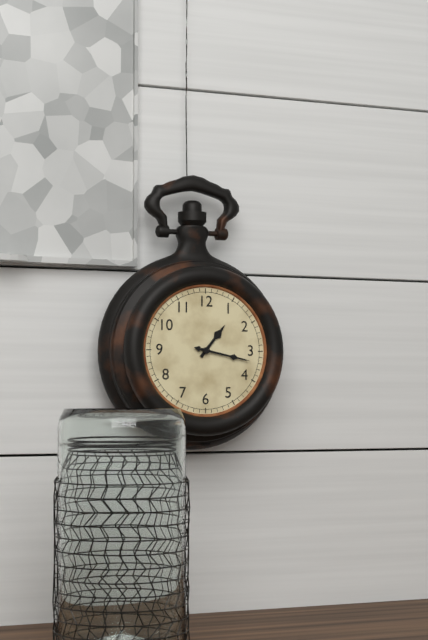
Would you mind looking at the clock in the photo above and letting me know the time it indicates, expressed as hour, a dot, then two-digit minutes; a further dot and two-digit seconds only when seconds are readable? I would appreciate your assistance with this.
1.17
